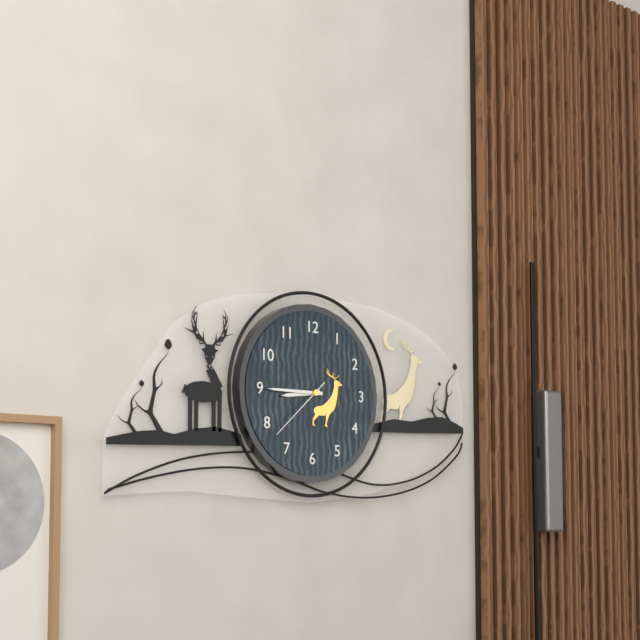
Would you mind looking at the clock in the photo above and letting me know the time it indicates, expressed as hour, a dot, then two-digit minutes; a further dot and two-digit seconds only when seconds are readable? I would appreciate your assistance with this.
8.45.38
